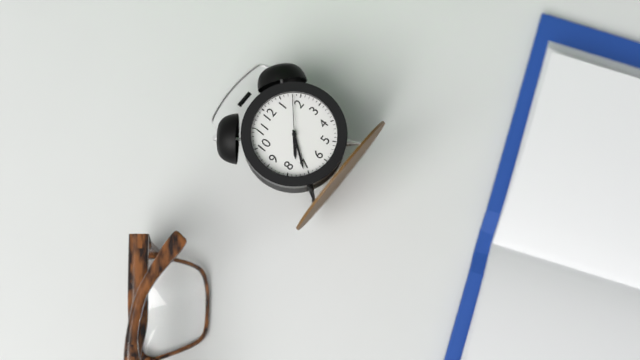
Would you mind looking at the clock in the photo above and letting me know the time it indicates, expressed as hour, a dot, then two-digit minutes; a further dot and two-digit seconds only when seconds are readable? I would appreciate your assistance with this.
7.36.08
